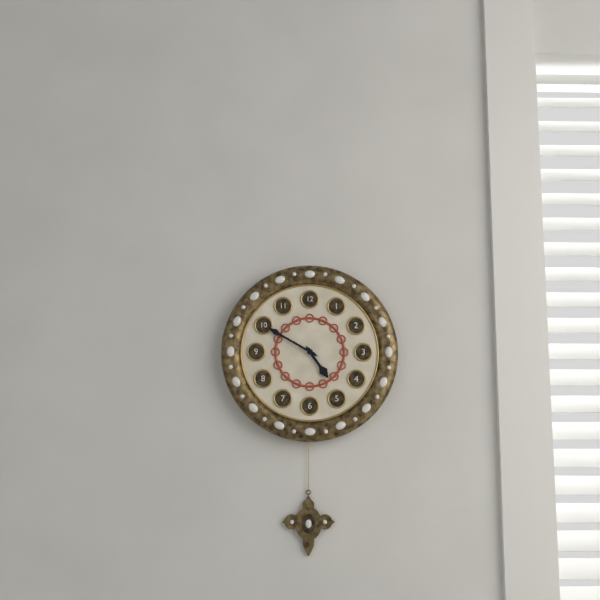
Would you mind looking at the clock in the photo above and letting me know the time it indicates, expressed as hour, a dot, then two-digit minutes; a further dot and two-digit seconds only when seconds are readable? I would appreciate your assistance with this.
4.50
